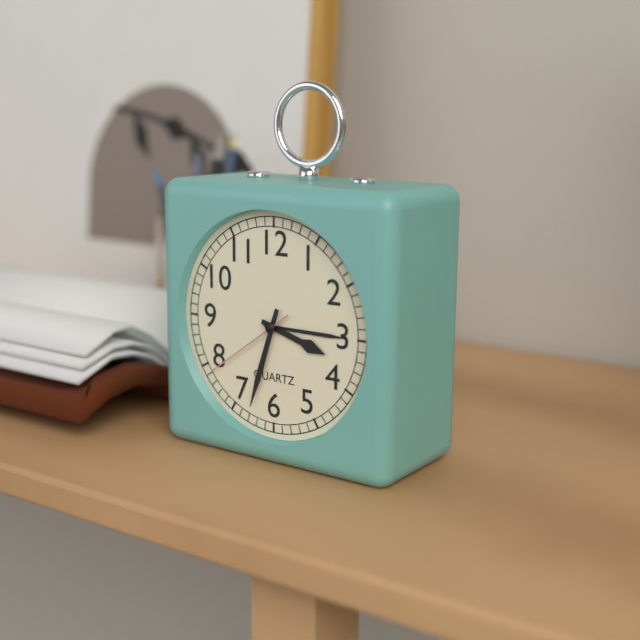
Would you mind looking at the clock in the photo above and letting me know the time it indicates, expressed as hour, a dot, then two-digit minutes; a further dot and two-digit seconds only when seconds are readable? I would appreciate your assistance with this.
3.33.39
